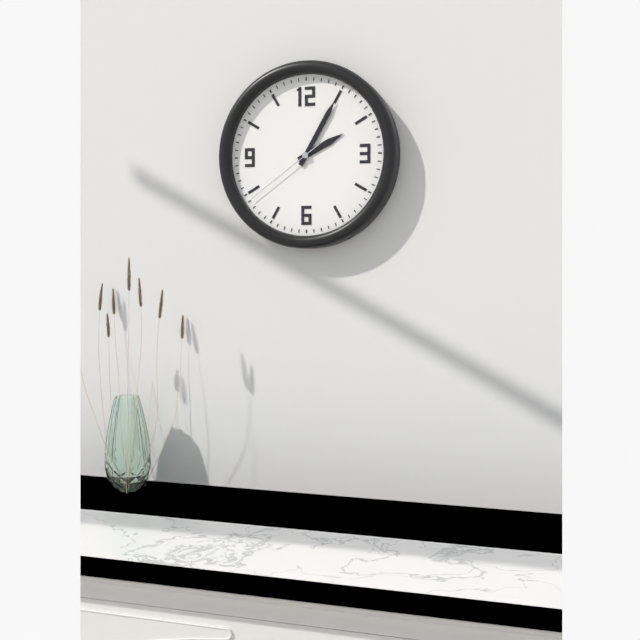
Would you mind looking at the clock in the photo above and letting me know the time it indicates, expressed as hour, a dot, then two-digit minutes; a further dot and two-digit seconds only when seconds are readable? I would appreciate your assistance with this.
2.05.39
